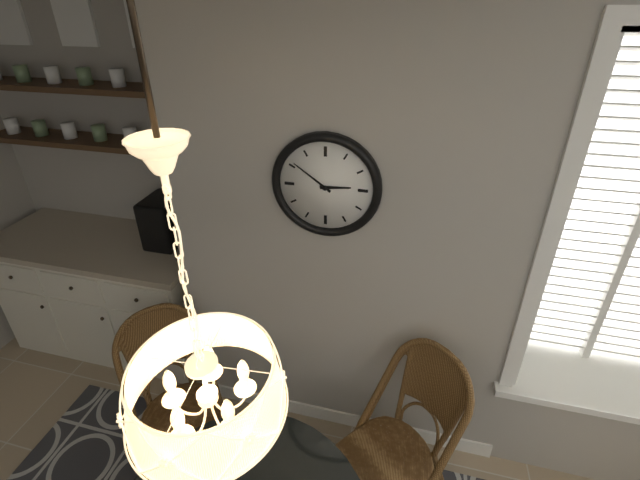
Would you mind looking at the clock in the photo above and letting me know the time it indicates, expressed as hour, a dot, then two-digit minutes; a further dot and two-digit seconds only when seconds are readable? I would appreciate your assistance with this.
2.51
